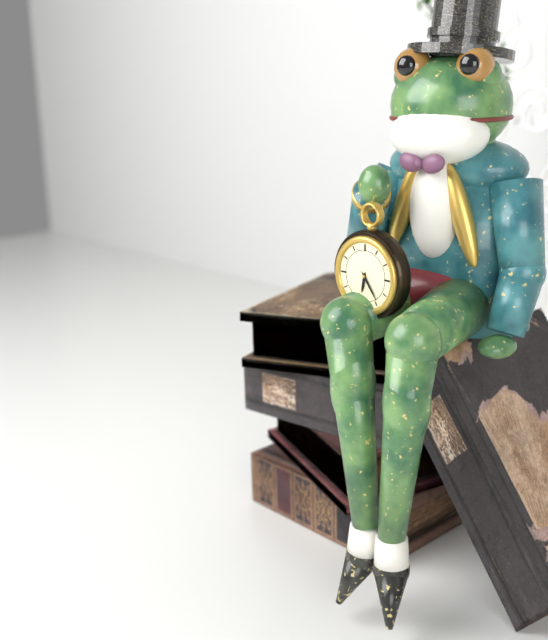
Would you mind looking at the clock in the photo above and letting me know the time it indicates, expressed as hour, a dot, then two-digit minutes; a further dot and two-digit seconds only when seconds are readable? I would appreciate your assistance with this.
6.24
